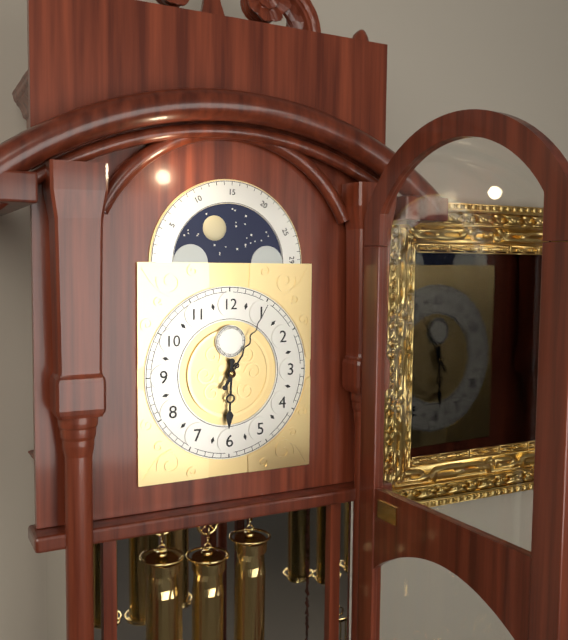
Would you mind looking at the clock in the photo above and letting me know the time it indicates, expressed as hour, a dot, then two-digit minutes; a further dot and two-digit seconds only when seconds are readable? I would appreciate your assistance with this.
6.05
